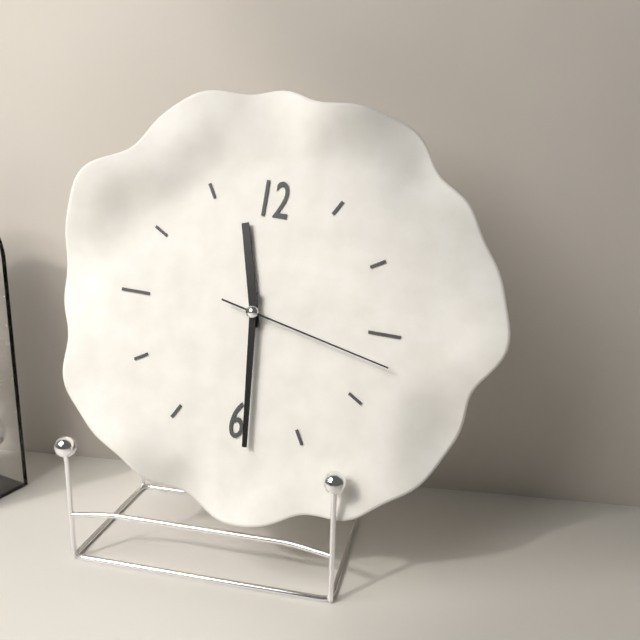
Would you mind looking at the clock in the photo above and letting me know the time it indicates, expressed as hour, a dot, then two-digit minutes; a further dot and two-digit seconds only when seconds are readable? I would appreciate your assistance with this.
11.29.17
